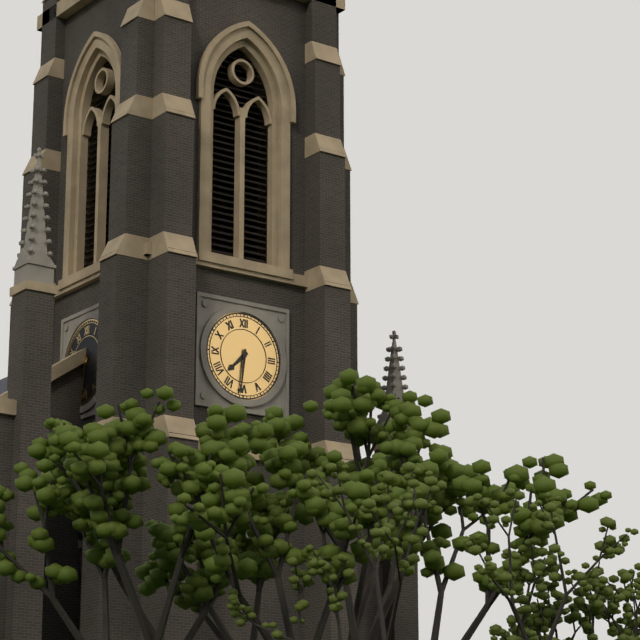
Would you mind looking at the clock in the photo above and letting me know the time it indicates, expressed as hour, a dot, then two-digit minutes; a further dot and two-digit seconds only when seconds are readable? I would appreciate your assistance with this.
7.31
